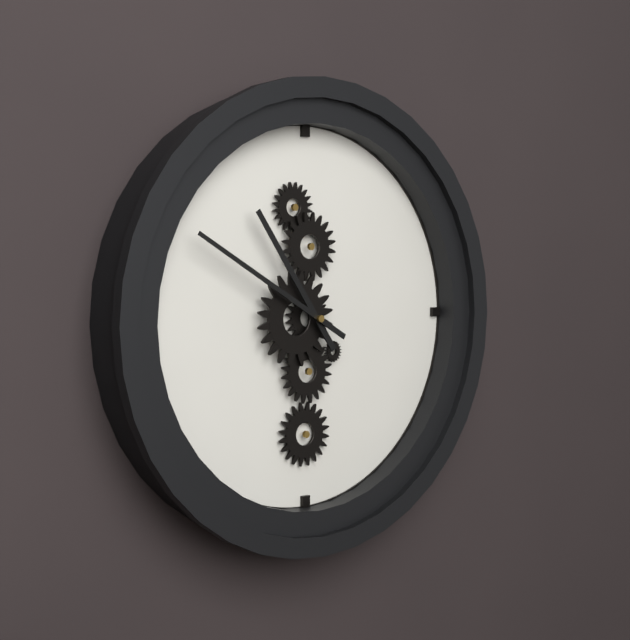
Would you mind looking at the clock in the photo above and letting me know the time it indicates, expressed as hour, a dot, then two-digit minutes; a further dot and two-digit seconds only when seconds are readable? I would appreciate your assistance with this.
10.50
